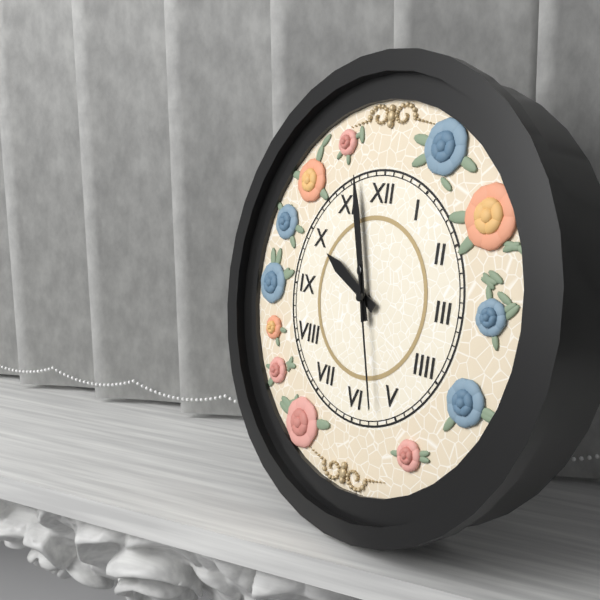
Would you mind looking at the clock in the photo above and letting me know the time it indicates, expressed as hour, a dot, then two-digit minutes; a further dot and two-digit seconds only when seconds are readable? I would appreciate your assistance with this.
9.57.27
